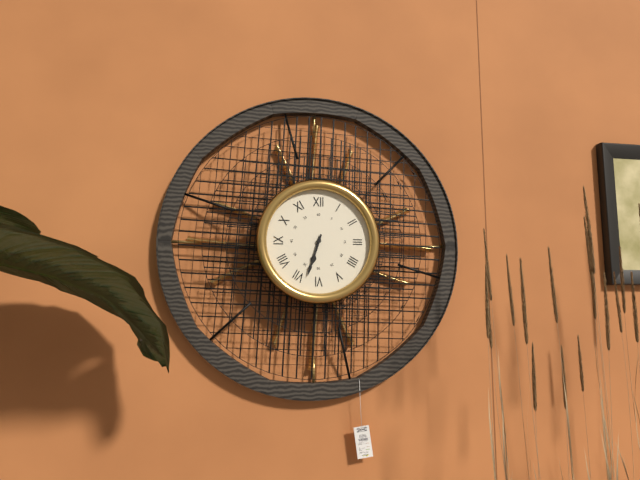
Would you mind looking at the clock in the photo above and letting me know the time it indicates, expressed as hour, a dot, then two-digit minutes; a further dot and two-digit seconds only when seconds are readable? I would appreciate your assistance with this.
6.33
